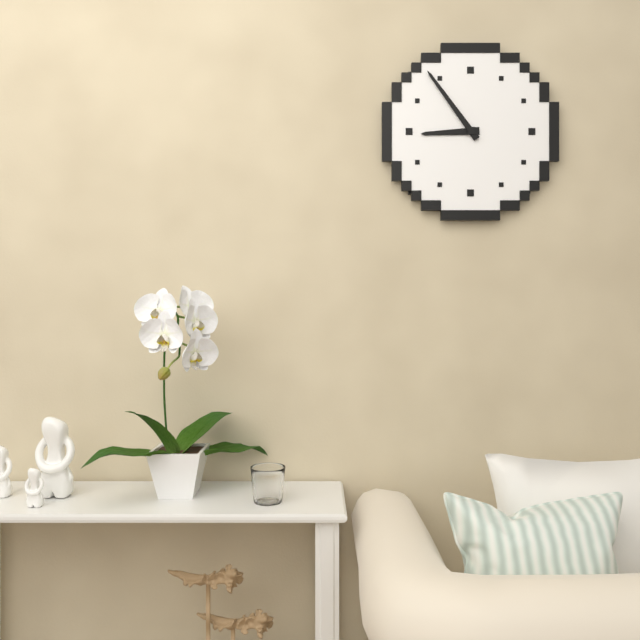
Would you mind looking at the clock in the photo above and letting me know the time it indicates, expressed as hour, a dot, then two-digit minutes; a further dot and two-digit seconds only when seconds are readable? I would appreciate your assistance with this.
8.54
